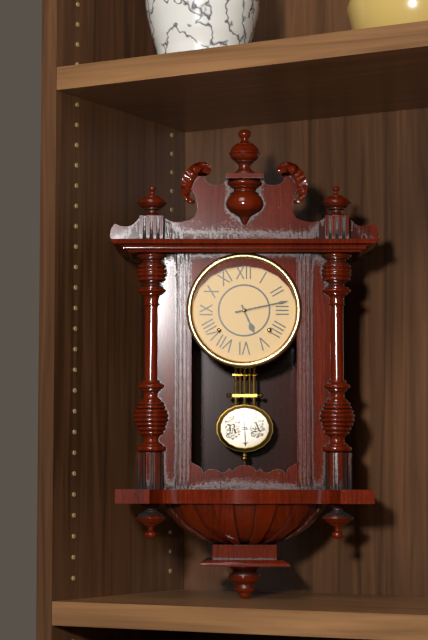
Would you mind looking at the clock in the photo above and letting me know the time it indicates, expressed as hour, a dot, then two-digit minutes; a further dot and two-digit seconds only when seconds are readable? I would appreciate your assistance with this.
5.13
